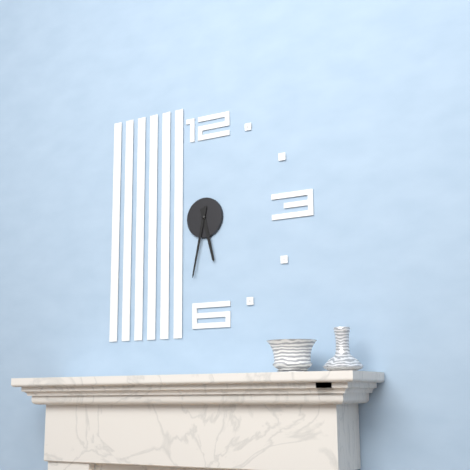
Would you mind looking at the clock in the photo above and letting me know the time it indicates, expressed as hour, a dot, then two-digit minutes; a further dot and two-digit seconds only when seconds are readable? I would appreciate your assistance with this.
5.32
